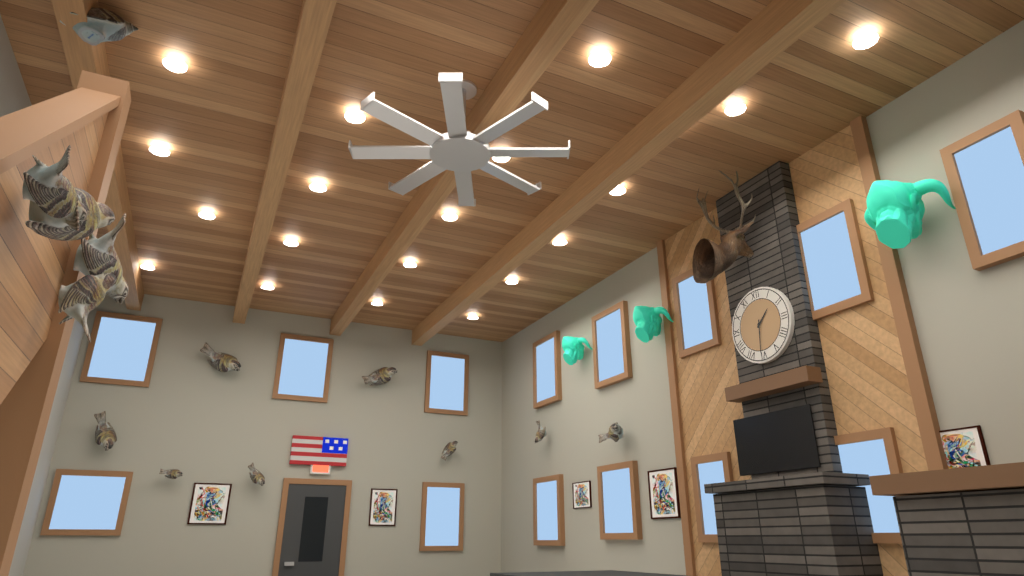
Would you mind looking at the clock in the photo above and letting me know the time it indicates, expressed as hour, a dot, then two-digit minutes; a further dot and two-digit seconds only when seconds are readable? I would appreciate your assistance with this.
1.31
